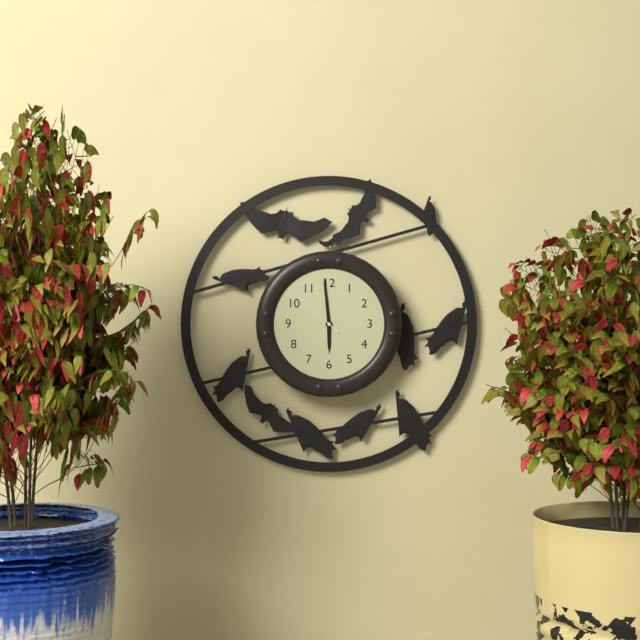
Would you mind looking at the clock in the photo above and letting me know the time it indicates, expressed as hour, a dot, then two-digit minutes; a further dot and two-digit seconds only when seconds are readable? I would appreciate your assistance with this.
5.59.52
